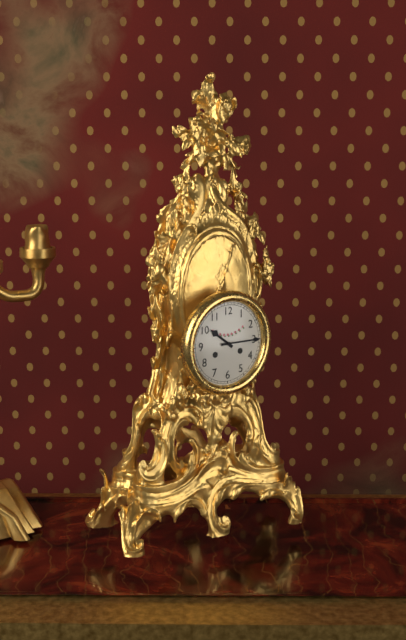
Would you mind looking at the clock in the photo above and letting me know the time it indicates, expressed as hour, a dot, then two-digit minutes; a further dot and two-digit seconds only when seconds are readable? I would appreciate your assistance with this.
10.15
